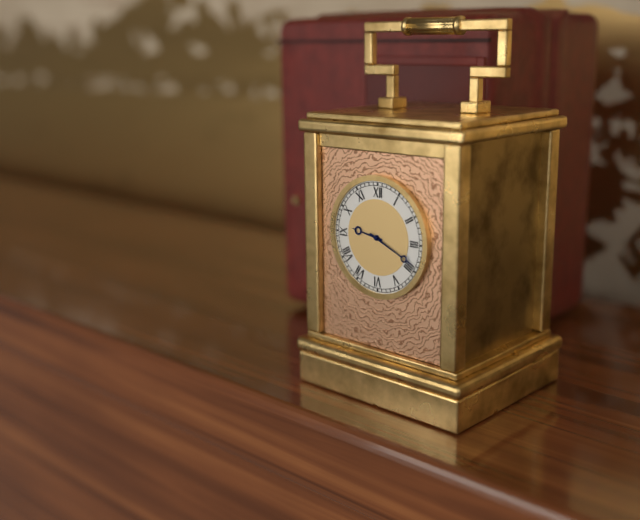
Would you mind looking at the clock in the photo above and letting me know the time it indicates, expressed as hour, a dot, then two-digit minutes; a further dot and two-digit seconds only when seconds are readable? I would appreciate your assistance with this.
9.19
